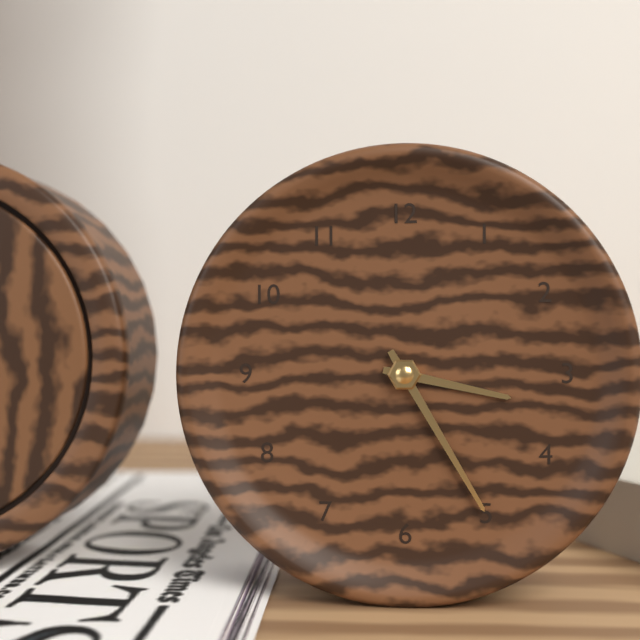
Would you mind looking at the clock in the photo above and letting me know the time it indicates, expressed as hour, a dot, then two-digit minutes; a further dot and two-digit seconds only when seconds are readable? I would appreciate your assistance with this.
3.25
